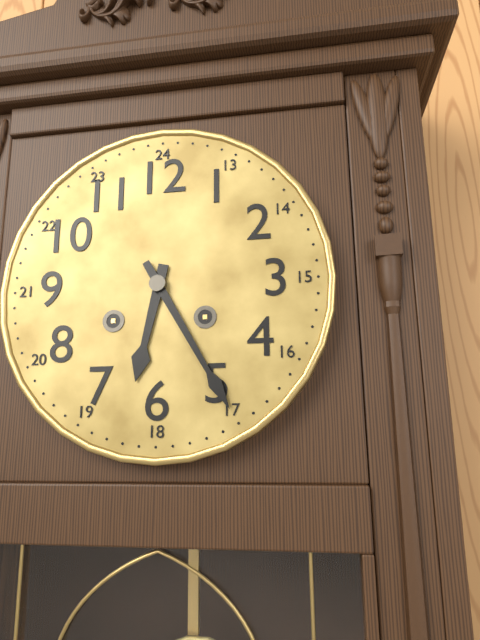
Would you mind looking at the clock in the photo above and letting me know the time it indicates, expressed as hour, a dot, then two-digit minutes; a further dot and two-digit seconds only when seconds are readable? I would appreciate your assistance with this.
6.25
